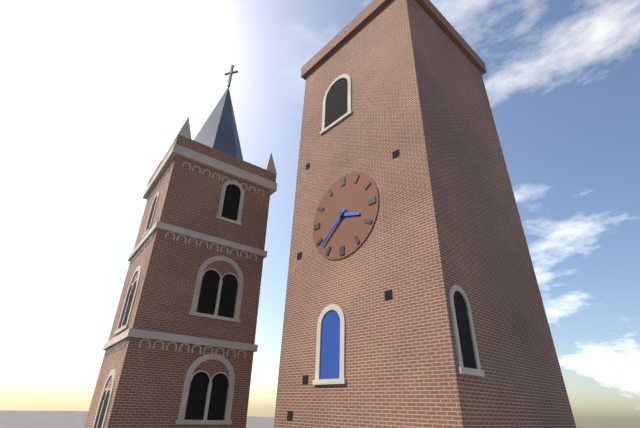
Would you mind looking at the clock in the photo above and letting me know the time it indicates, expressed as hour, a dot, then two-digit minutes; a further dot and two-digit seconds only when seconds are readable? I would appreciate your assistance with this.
3.38
